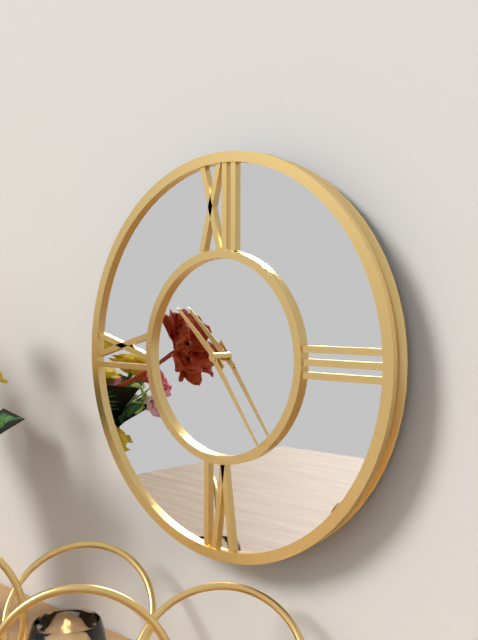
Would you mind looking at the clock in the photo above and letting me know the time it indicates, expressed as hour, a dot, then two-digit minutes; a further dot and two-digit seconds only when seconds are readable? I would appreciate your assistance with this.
10.24
